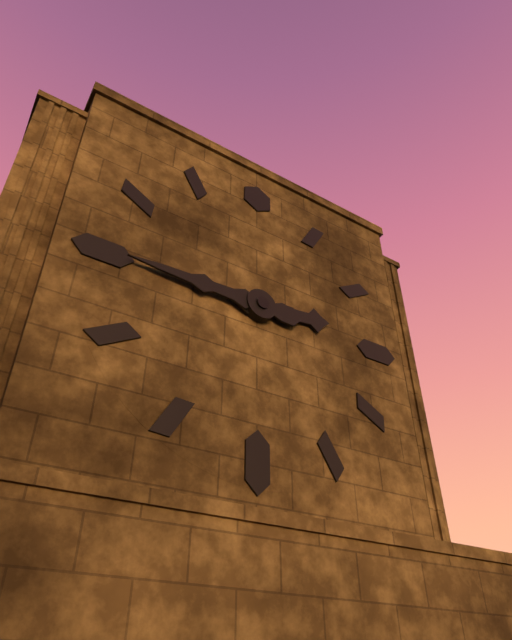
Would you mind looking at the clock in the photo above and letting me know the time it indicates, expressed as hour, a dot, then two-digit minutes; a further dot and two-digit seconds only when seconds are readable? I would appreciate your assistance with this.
2.45
